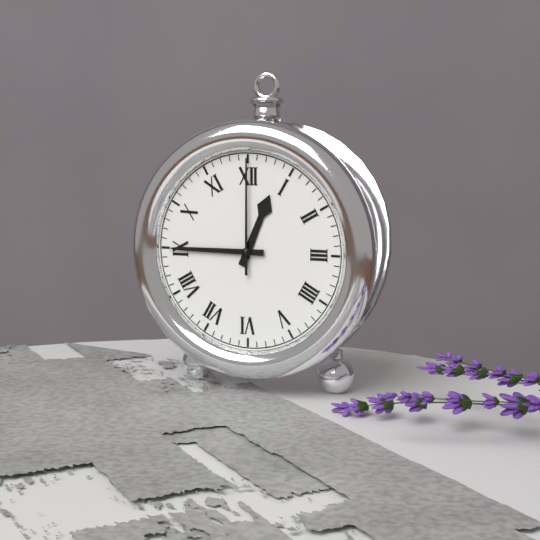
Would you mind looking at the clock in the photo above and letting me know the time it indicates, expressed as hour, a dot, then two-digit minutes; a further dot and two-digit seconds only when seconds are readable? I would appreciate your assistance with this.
12.45.00
